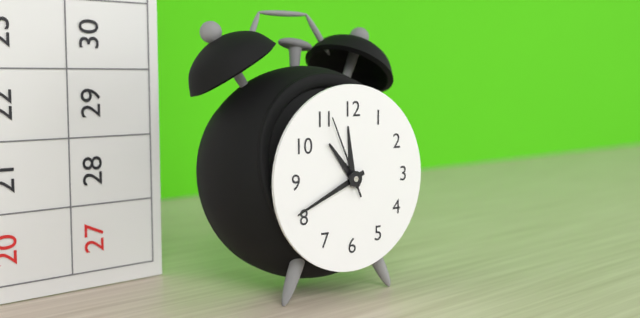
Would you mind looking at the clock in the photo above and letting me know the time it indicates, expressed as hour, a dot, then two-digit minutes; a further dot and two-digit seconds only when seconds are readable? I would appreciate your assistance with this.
10.41.56
